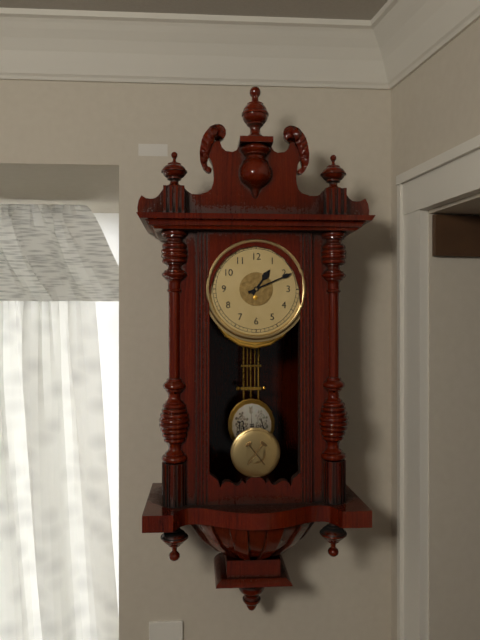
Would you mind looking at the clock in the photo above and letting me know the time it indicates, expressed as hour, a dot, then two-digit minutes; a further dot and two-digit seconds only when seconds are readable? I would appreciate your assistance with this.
1.11
